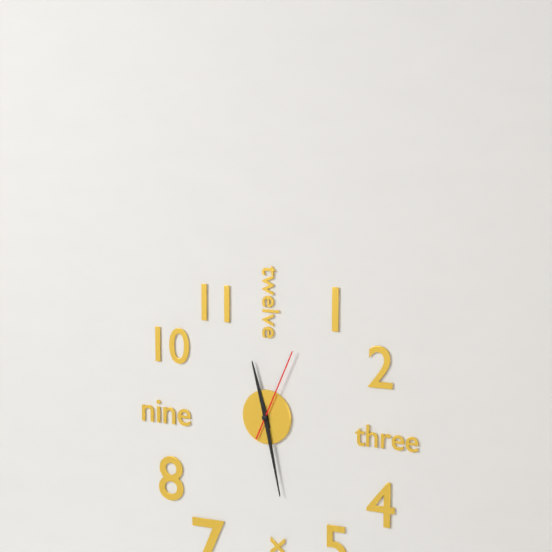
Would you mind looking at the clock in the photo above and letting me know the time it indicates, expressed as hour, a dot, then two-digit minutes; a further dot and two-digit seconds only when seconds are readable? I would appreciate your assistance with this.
11.28.04
